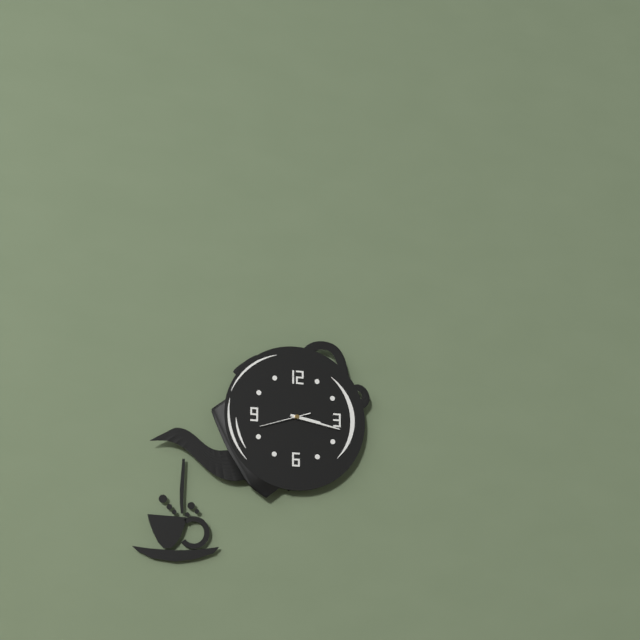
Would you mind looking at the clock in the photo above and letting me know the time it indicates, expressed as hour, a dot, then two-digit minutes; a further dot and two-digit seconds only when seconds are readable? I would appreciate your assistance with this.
3.17
